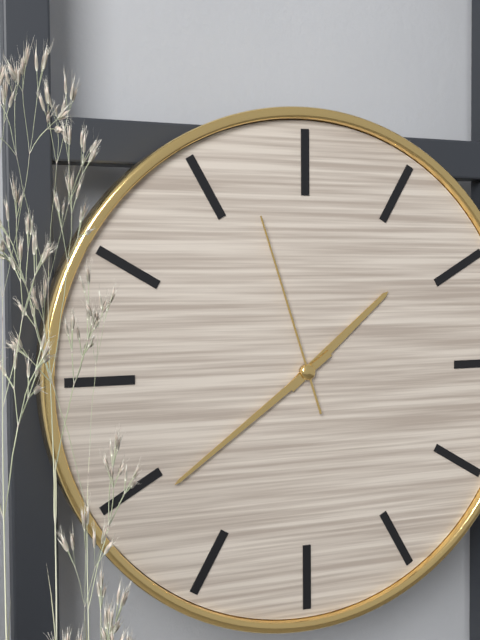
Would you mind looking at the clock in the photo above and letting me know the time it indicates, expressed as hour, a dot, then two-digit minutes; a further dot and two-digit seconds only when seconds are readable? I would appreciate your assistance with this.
1.39.57
